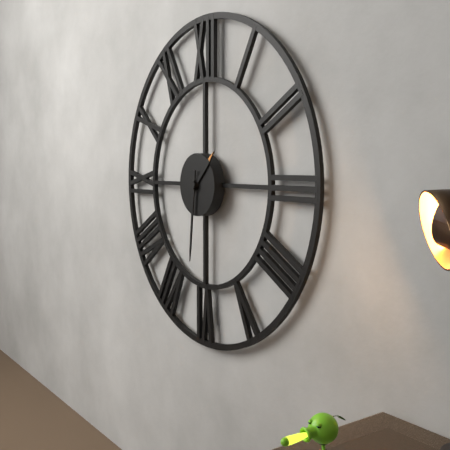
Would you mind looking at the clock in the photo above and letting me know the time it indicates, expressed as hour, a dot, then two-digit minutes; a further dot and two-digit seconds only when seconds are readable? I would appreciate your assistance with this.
1.31
